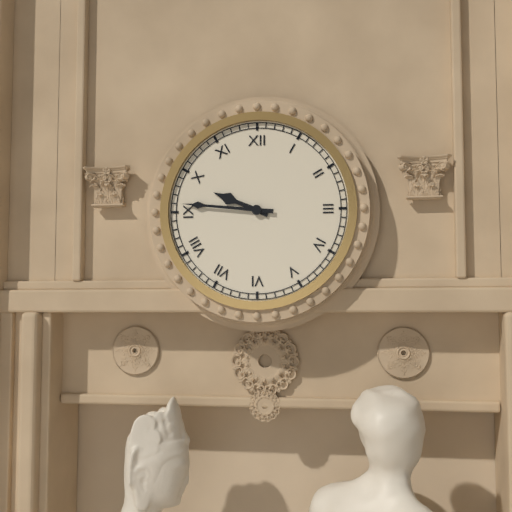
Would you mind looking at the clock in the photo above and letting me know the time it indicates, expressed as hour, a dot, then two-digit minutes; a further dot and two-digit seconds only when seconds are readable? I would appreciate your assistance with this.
9.46
